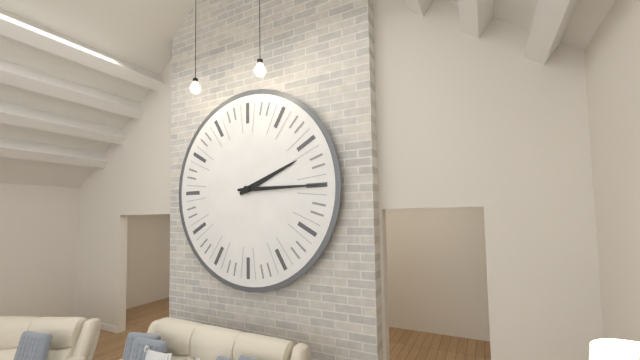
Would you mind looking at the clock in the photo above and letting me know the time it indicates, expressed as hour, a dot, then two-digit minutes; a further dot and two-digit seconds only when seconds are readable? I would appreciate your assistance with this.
2.15
